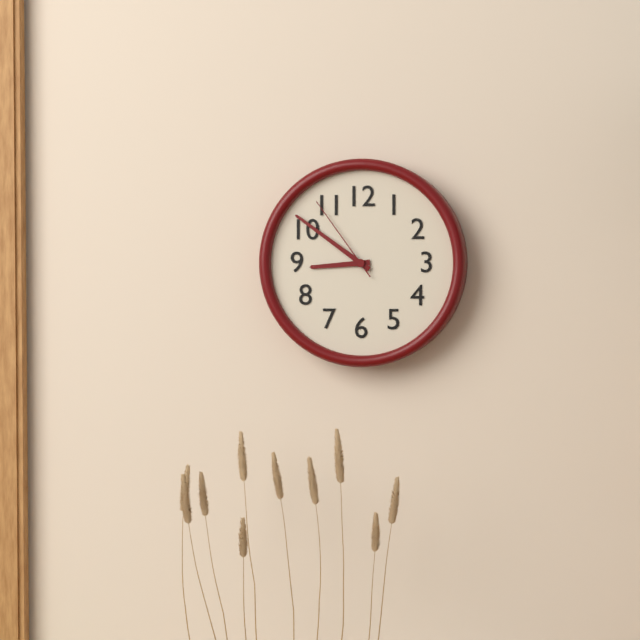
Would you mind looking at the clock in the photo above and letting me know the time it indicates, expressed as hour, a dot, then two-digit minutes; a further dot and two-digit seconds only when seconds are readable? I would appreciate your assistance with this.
8.51.54
